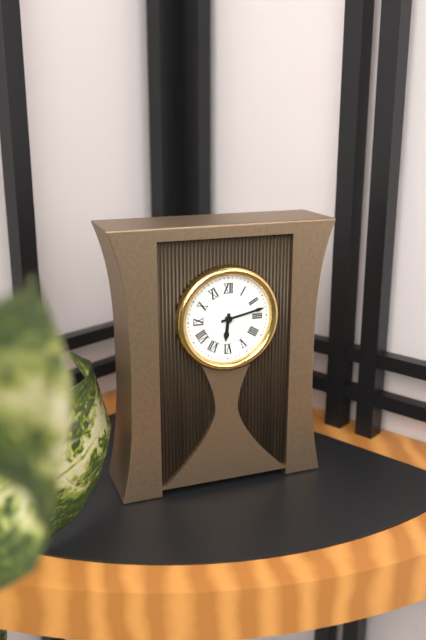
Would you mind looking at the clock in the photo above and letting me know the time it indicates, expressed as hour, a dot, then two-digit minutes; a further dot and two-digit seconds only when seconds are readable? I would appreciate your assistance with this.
6.13
